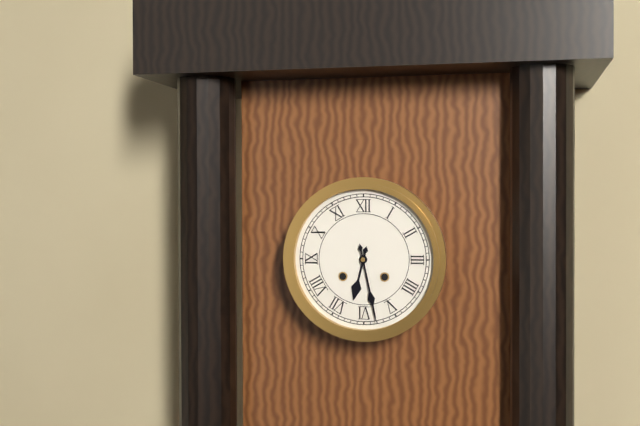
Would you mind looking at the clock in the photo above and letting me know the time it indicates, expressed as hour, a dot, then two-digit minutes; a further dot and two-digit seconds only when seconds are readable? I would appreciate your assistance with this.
6.28
